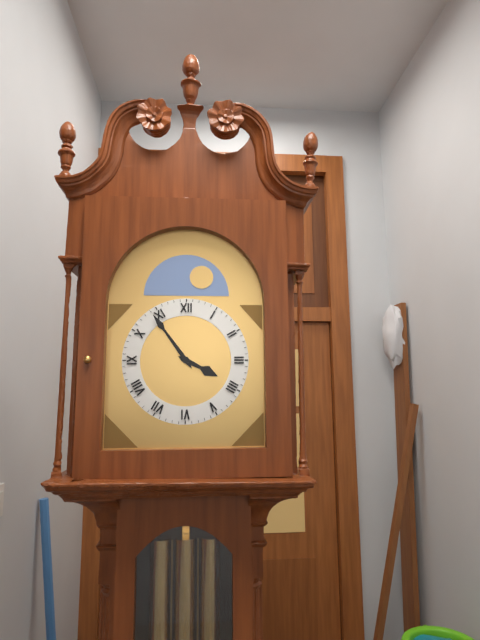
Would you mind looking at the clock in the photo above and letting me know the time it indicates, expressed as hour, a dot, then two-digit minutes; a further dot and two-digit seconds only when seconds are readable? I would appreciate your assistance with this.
3.54
